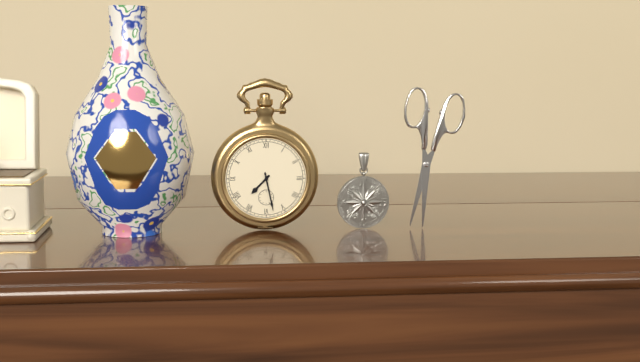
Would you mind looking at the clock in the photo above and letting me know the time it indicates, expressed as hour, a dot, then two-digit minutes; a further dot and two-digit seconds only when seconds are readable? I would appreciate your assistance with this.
7.28
